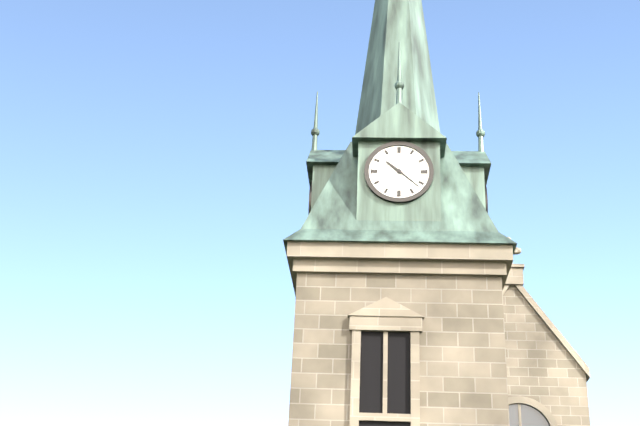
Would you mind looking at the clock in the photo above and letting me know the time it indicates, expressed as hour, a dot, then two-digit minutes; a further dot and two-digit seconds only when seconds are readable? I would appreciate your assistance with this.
10.22
